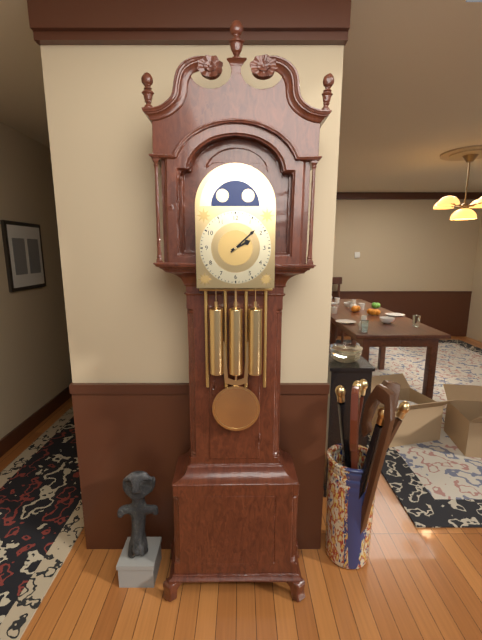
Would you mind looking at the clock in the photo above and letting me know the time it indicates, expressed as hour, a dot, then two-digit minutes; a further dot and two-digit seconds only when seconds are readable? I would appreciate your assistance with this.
2.08
